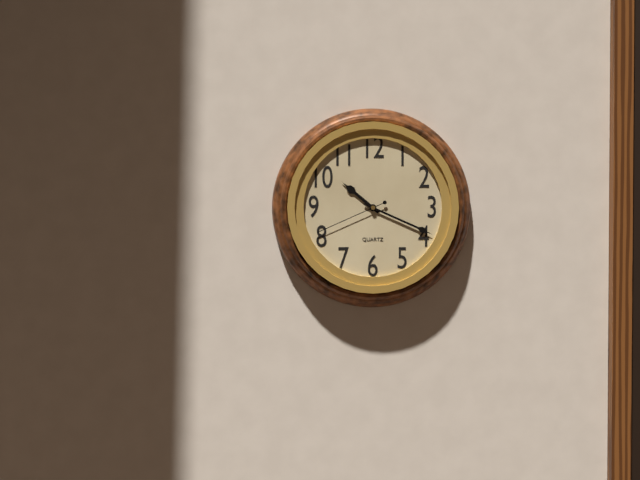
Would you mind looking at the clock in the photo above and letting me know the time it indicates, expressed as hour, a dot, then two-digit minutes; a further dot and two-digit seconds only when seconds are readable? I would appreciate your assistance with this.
10.19.41
